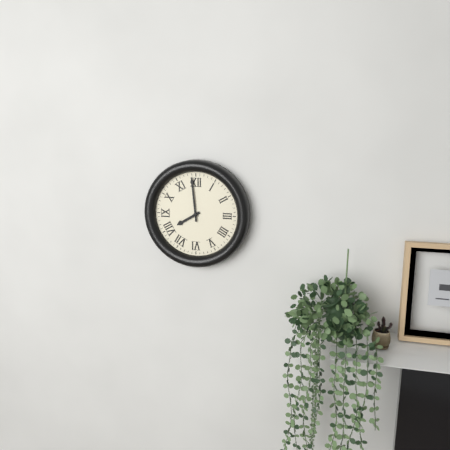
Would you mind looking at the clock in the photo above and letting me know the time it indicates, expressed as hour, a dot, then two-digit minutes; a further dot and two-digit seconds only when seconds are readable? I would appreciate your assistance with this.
7.59
